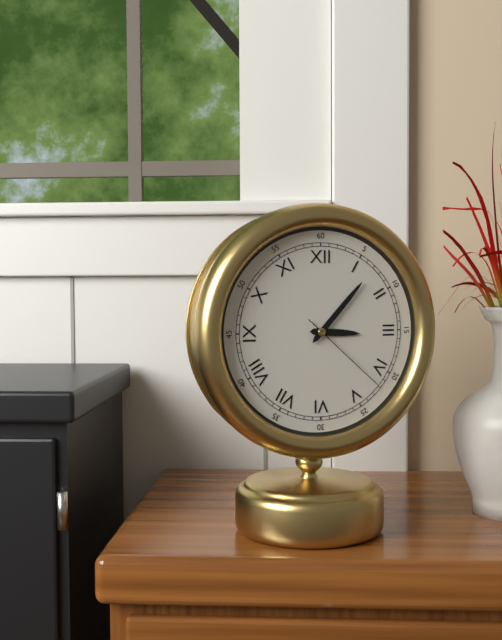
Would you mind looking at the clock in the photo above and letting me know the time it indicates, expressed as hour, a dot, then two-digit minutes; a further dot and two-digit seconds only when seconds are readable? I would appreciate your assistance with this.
3.07.22
